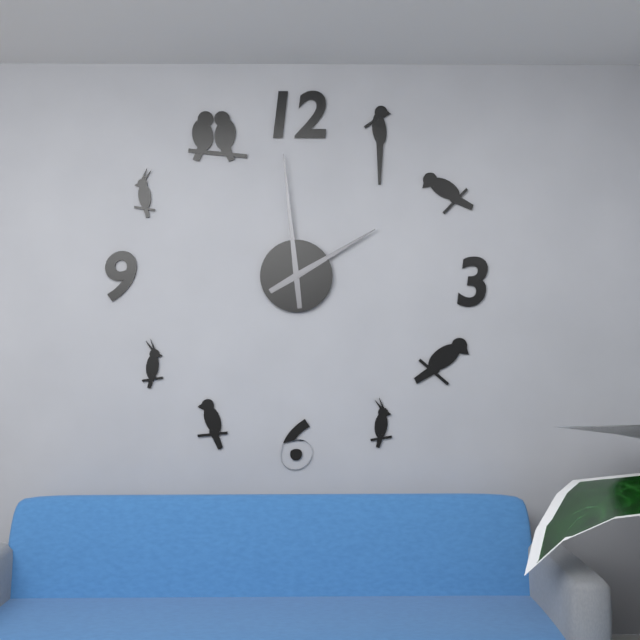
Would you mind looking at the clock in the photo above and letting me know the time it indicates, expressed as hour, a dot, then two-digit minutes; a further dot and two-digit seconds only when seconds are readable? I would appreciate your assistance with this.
1.59
